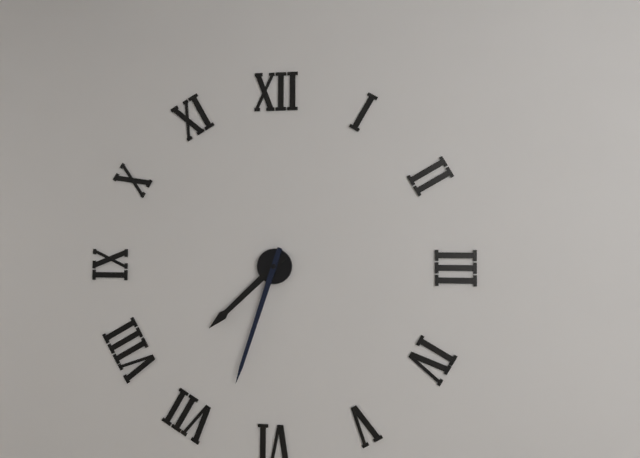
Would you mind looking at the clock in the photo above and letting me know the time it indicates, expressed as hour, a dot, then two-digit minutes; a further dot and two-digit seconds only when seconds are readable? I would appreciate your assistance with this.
7.33
